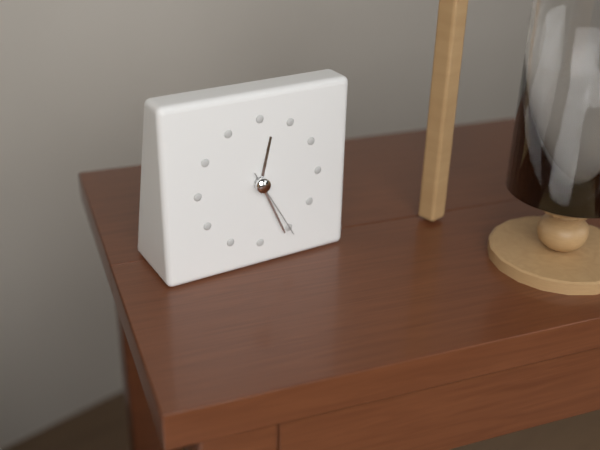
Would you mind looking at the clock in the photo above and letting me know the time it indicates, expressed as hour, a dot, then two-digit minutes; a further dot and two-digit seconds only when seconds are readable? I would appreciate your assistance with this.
12.26.25
